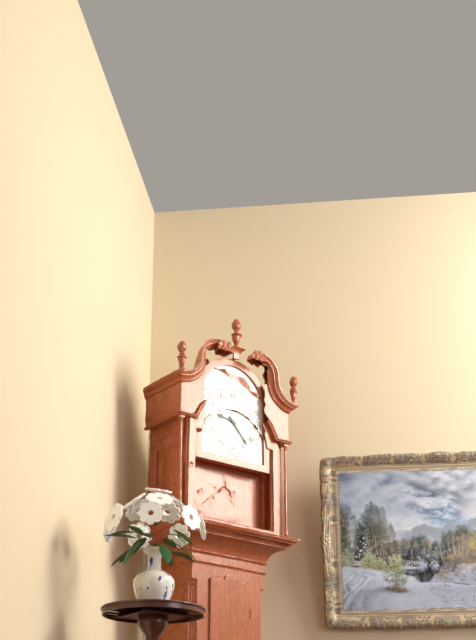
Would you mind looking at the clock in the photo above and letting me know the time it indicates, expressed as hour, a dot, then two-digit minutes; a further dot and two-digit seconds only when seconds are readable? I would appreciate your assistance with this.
9.23
